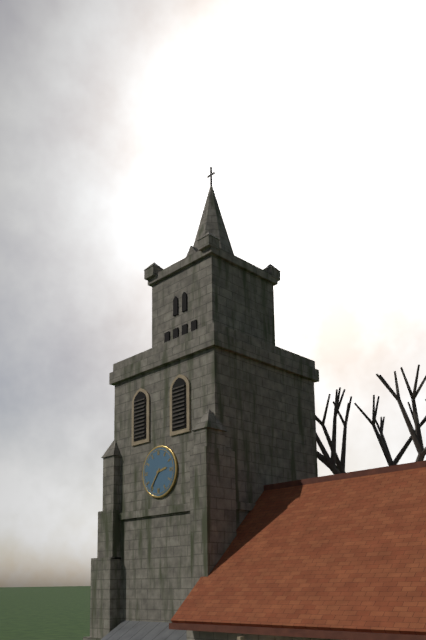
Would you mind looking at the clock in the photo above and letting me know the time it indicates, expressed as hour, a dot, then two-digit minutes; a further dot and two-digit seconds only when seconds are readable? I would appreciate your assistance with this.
2.36
